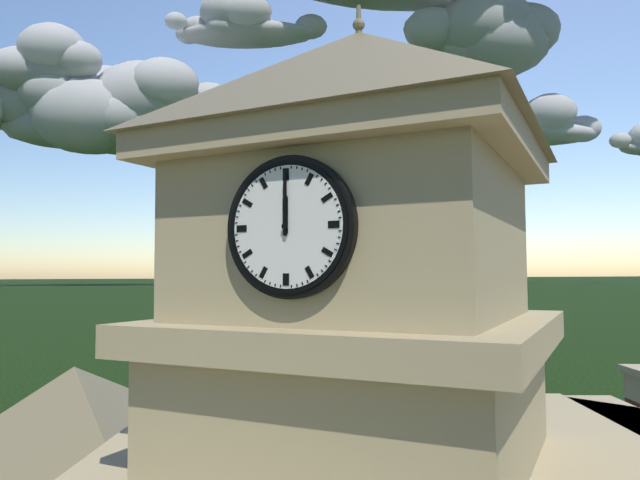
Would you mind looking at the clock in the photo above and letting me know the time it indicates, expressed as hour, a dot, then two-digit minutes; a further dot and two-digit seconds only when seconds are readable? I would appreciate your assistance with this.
12.00
